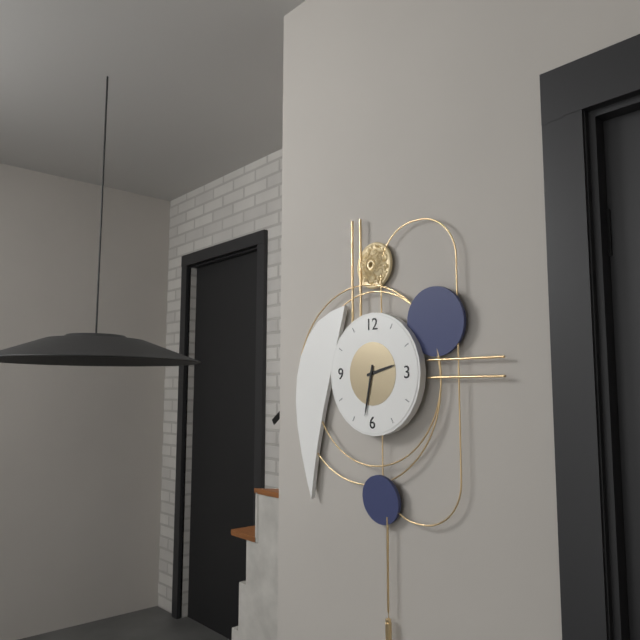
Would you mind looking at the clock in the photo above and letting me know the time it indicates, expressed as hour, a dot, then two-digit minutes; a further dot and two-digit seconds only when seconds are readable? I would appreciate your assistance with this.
2.32
